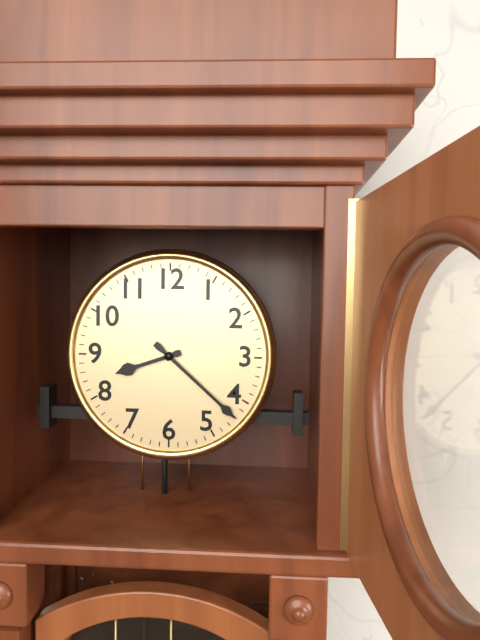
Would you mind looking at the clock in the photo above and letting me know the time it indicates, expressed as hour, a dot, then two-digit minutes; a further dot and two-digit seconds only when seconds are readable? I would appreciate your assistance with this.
8.22
